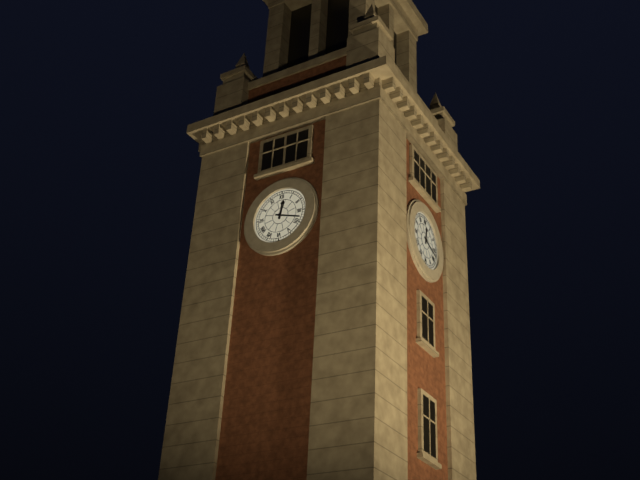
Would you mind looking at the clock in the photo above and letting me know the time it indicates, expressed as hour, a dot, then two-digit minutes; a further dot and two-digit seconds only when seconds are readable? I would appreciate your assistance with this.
12.18
